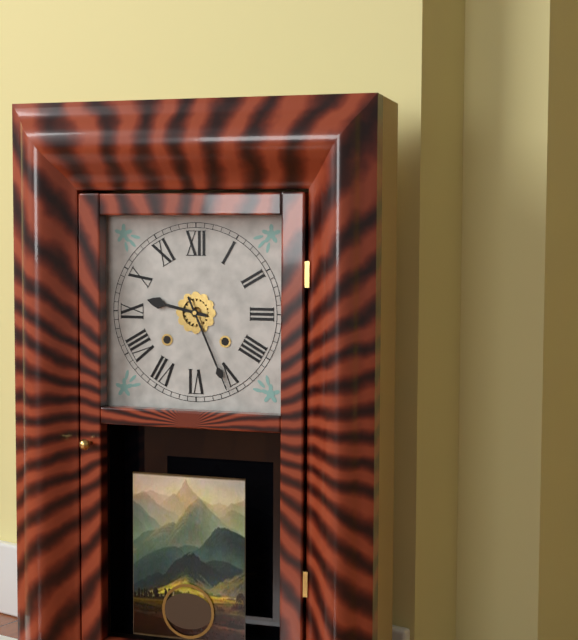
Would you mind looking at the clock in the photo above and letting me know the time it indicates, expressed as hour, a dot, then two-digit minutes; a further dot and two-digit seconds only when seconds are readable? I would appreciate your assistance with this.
9.26
